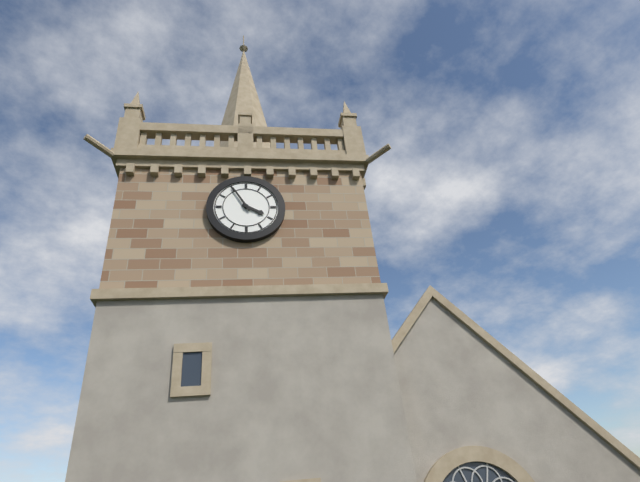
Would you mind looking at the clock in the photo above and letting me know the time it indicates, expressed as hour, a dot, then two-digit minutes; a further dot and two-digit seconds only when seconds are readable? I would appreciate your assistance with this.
3.55
